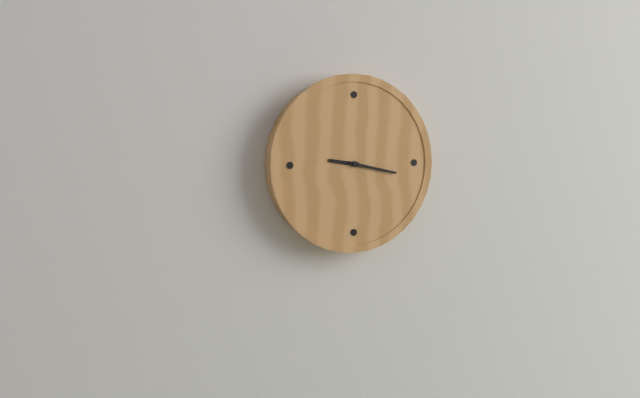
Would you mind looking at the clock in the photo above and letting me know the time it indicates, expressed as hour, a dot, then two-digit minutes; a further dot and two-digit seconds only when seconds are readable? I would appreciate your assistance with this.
9.17
